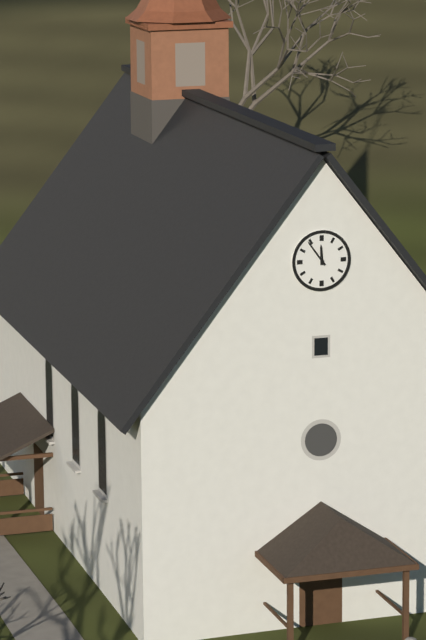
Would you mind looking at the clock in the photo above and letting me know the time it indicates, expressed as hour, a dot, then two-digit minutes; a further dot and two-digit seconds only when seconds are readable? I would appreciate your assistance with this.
11.54
